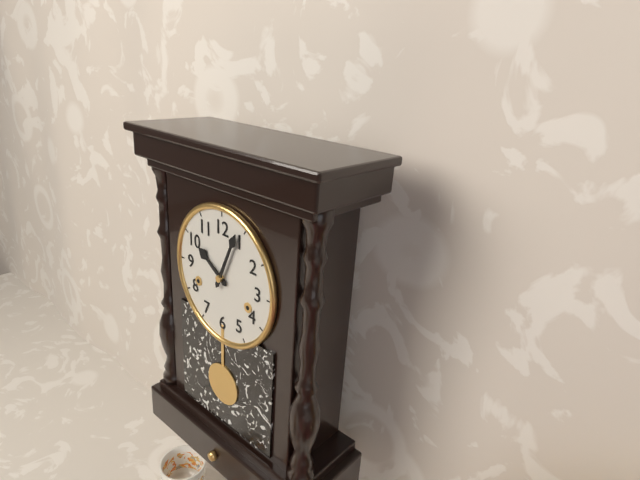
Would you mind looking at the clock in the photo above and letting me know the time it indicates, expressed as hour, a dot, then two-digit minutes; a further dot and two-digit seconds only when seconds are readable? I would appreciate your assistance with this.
10.04
